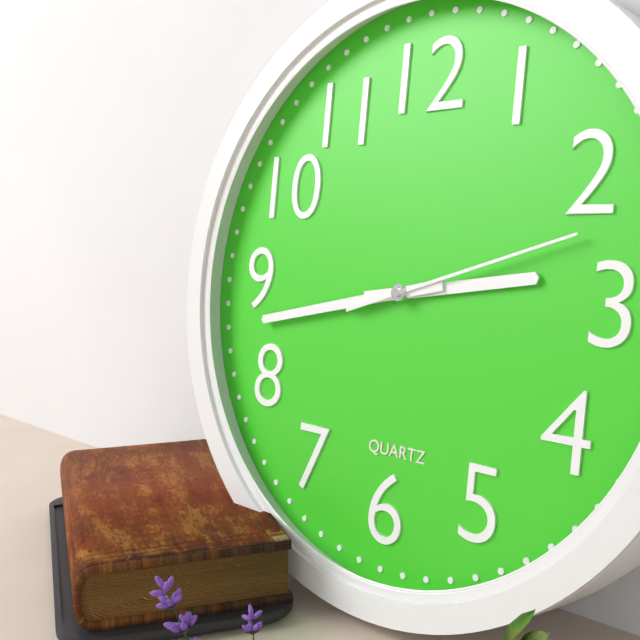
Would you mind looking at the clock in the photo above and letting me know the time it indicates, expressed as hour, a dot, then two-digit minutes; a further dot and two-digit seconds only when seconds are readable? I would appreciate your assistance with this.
2.43.12
